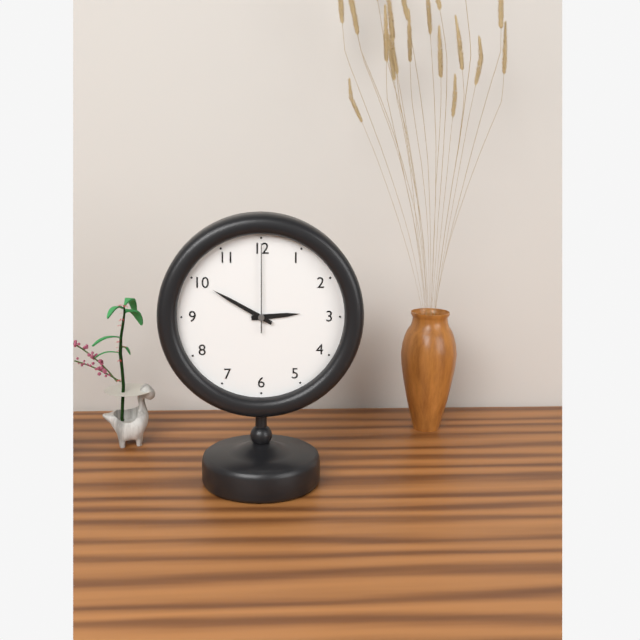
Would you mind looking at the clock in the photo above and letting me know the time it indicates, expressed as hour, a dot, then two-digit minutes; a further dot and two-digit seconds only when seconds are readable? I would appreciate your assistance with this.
2.50.00
